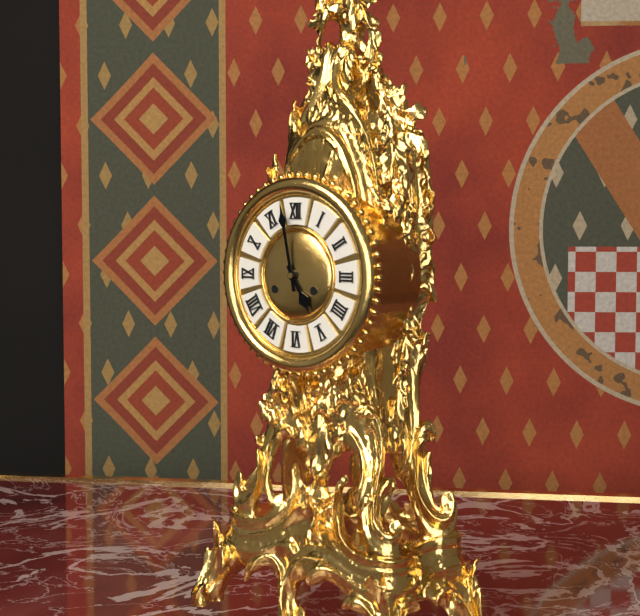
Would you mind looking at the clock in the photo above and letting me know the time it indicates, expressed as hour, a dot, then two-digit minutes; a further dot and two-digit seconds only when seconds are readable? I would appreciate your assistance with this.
4.58
